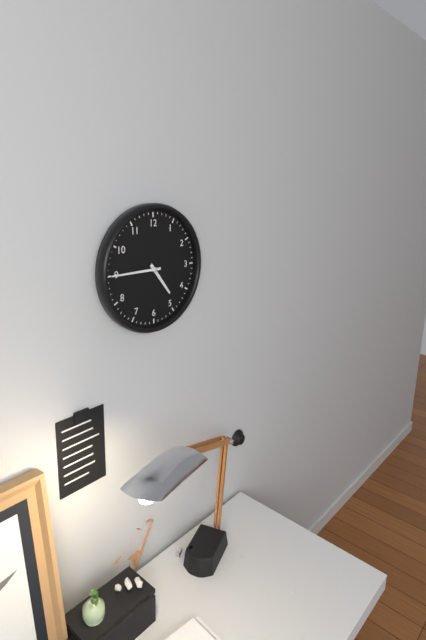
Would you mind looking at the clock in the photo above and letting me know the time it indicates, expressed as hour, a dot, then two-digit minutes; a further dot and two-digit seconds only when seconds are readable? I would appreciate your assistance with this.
4.45
